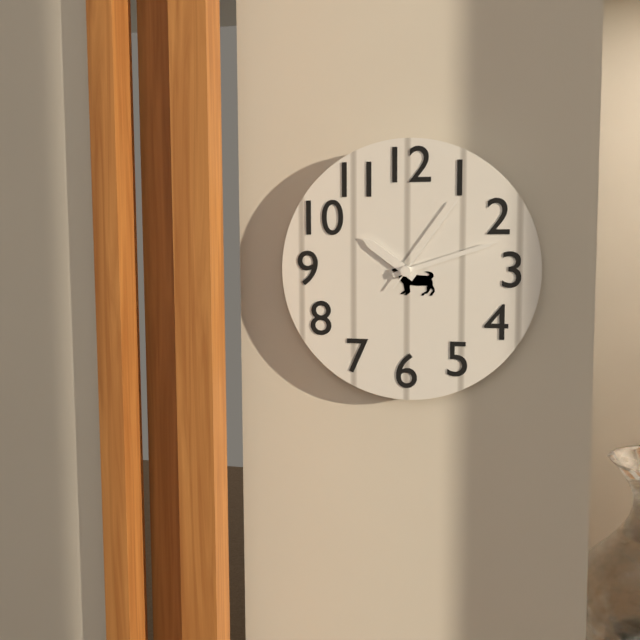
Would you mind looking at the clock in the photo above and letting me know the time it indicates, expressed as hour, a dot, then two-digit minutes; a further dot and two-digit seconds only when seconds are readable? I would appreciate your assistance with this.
10.12.06
